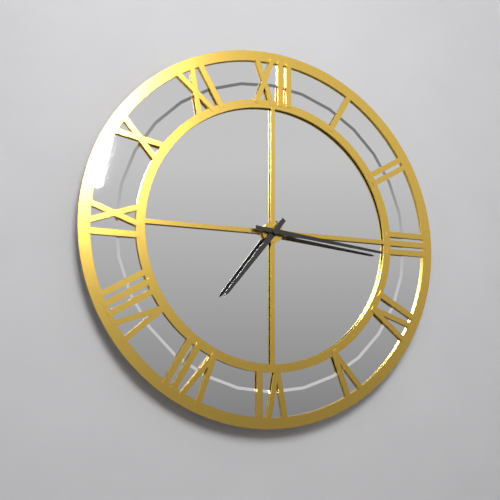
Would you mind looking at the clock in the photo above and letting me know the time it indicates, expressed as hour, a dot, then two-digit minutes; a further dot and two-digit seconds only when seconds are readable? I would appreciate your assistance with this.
7.16
